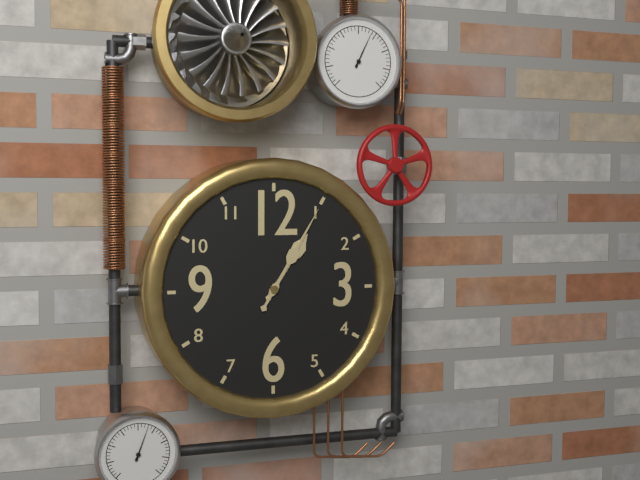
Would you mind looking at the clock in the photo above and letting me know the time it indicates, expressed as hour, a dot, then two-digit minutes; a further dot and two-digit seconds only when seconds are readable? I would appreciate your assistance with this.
1.05
